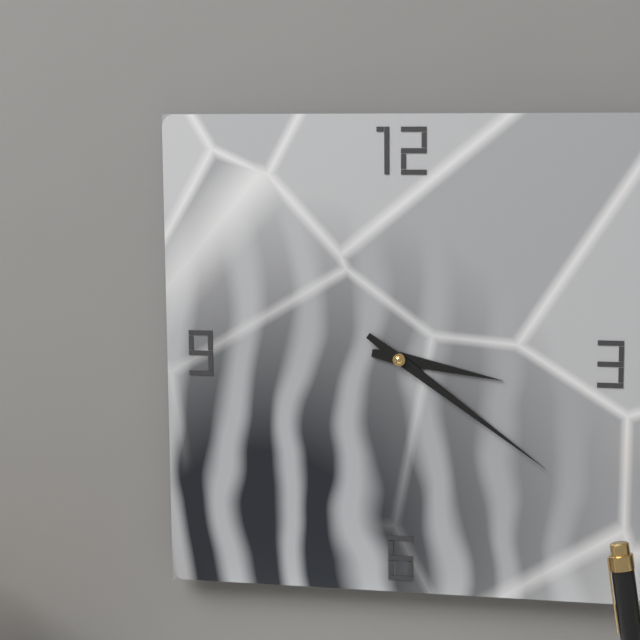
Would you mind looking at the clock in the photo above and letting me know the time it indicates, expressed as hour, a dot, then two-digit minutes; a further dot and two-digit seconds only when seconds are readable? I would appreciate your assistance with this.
3.21
